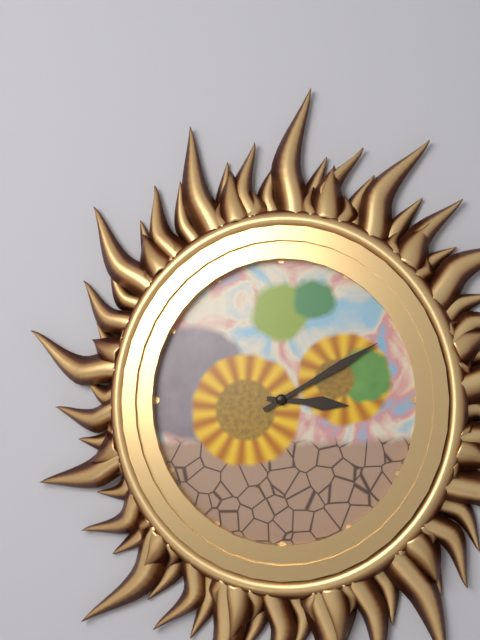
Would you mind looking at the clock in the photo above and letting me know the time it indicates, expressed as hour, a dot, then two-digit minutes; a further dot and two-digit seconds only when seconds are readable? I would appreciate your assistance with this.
3.10
